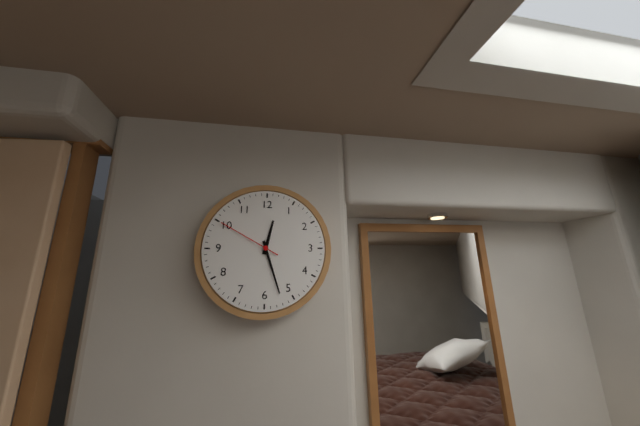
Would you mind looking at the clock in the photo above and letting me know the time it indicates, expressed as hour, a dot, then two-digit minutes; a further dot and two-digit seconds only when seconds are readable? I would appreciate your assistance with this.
12.27.50
